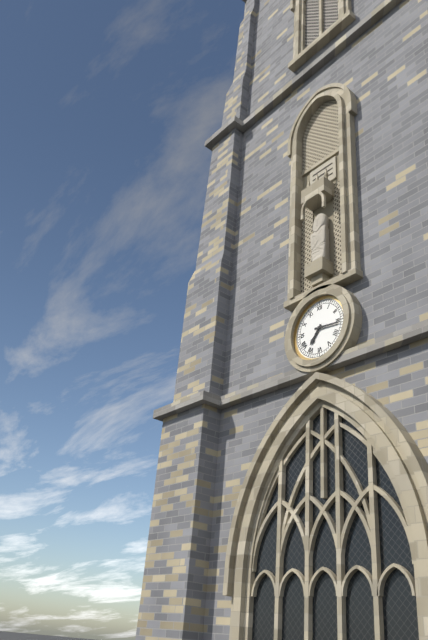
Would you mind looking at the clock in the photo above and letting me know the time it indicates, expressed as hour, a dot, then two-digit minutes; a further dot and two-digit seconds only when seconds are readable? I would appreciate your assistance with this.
7.16
